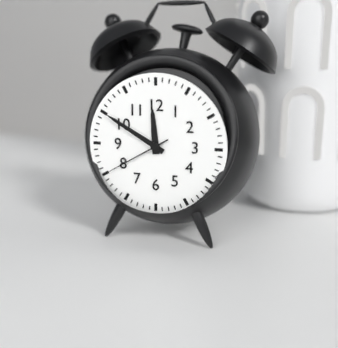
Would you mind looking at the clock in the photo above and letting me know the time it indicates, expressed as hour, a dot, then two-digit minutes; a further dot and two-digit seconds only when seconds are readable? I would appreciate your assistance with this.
11.50.40
